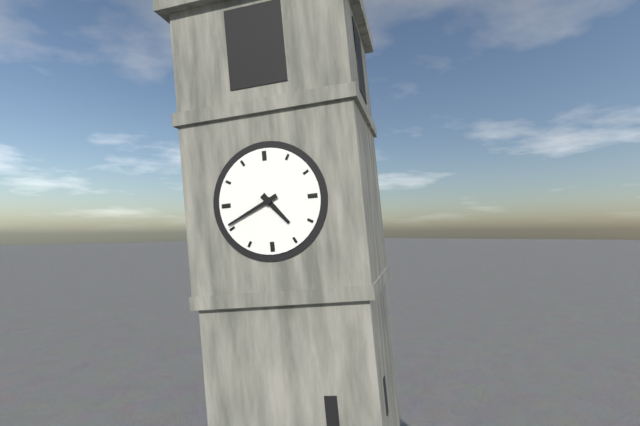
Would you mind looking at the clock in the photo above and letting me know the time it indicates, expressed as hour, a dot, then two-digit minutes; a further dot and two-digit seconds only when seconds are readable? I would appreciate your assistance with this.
4.41
